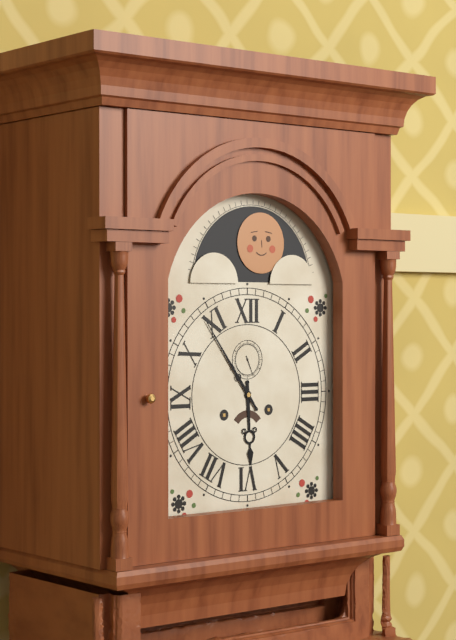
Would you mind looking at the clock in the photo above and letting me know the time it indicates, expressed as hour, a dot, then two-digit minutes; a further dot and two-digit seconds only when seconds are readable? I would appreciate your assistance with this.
5.54
